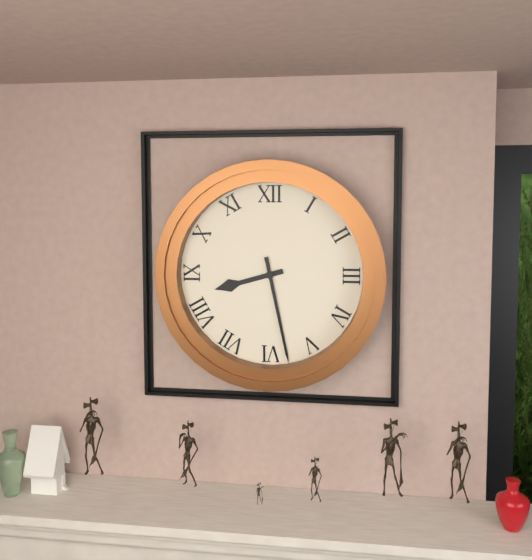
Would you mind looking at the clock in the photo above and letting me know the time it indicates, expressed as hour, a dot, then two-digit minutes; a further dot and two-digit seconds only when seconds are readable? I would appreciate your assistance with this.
8.28
